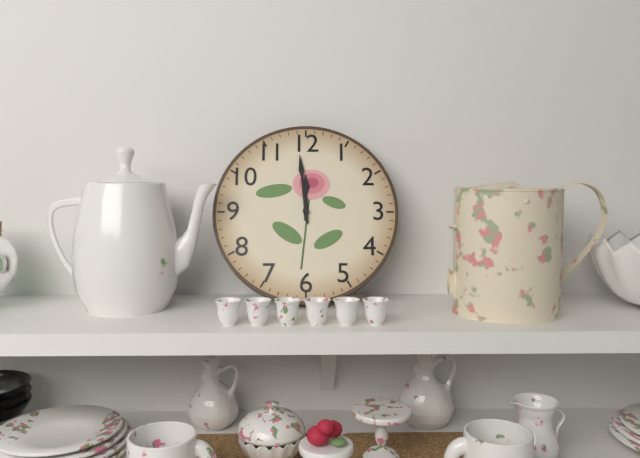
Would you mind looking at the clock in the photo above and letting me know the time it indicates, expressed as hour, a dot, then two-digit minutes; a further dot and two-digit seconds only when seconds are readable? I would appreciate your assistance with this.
11.59
